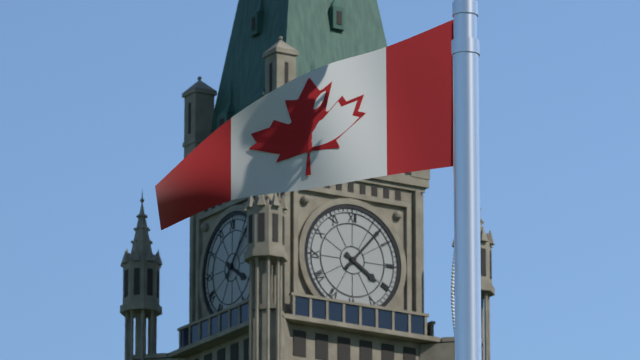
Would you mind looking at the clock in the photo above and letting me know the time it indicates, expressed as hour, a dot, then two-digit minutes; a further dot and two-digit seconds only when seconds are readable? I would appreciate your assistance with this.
4.07
